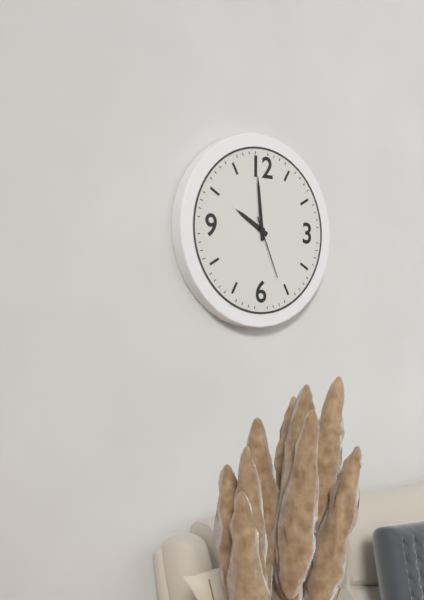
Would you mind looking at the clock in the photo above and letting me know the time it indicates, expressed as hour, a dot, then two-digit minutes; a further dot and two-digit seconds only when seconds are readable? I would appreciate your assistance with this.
9.59.26
